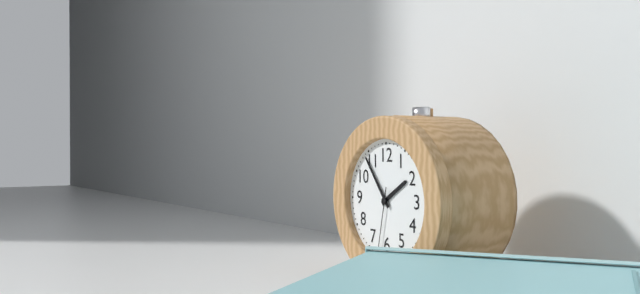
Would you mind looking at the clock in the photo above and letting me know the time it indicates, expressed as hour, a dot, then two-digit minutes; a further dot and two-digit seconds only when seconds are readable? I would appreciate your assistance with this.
1.54.32
